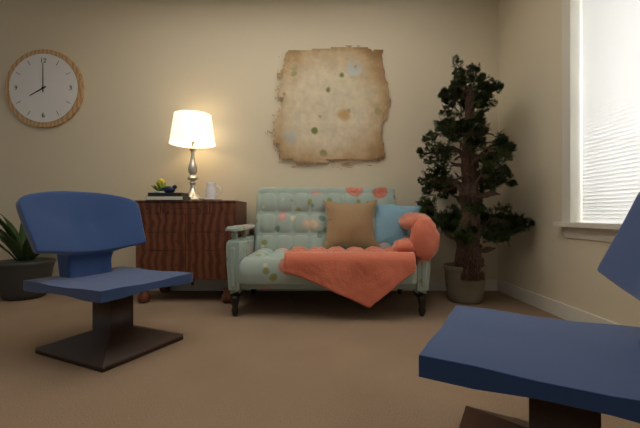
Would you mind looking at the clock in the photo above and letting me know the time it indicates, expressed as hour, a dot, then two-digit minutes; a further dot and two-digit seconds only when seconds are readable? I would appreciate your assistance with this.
8.00
